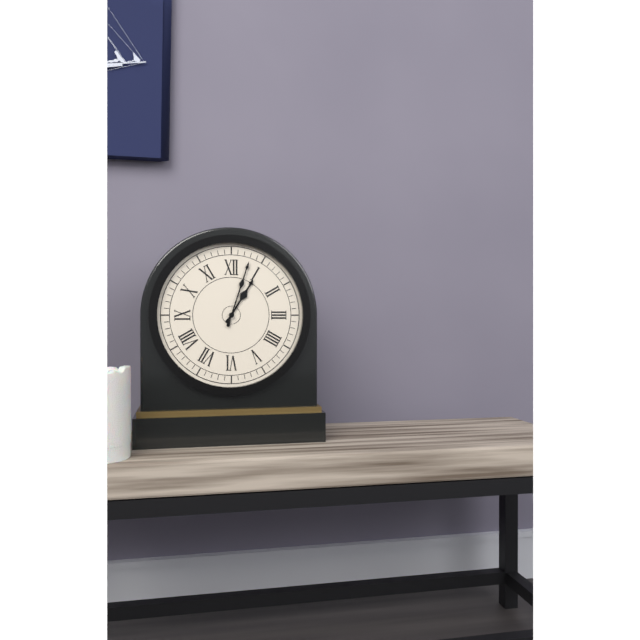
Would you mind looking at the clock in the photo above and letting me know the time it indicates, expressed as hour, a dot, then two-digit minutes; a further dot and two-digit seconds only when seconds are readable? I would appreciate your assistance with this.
1.03
